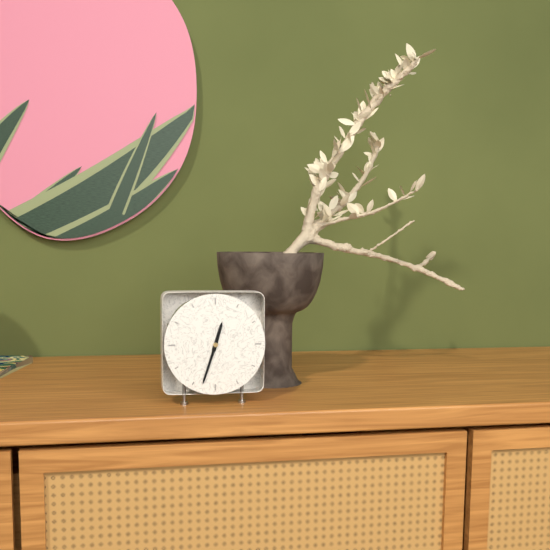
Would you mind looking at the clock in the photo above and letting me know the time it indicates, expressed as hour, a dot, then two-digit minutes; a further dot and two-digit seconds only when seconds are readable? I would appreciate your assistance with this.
12.33
